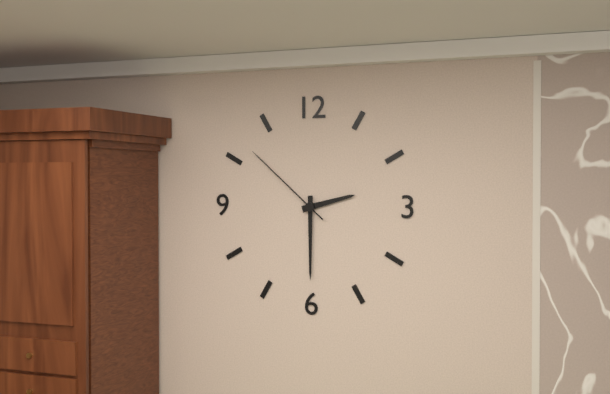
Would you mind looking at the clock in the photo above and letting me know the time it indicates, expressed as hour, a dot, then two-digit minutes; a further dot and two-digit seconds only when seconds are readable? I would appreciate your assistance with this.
2.30.52
